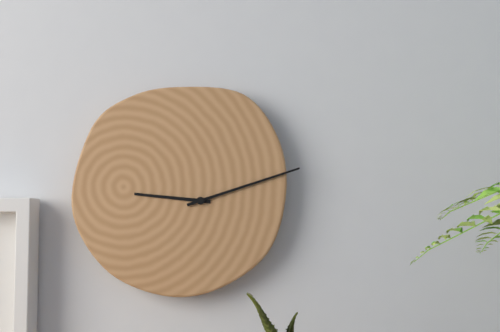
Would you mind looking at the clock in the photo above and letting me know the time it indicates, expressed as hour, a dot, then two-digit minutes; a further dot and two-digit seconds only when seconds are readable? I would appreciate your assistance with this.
9.12
